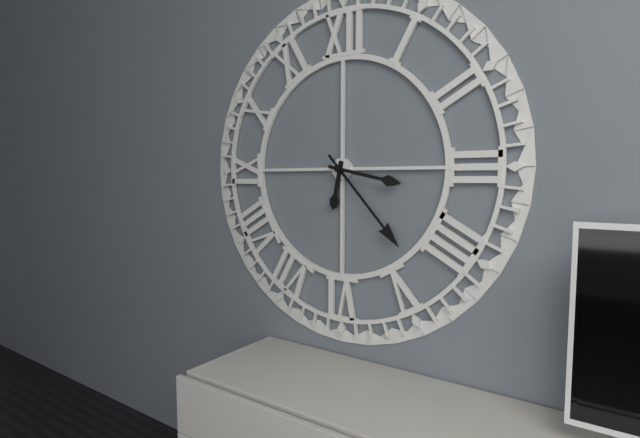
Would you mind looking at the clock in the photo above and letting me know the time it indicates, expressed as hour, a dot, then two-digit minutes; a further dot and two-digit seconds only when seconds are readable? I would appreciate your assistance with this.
6.23.17
